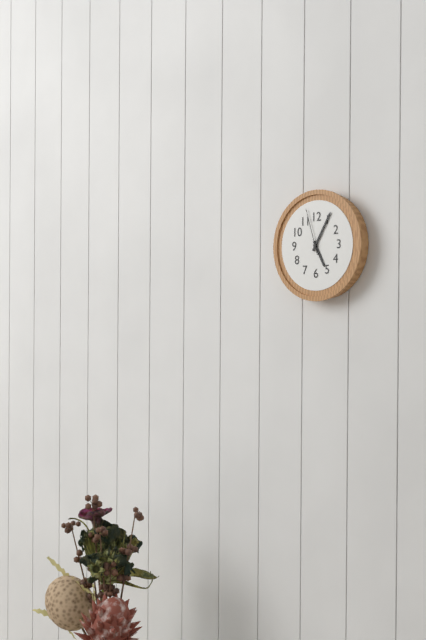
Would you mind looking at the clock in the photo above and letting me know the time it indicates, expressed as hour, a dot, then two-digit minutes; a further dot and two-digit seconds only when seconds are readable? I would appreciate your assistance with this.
5.05
